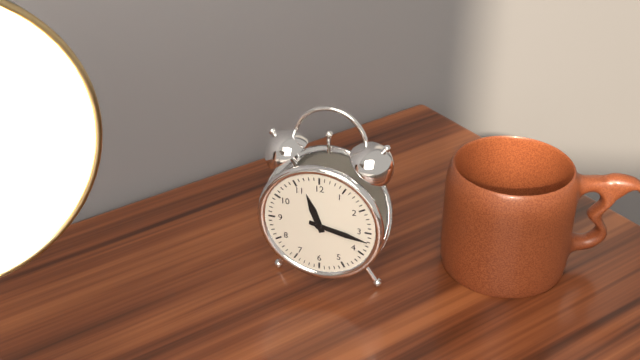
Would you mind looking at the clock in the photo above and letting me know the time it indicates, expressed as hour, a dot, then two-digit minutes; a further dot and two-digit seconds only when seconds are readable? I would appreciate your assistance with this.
11.17
